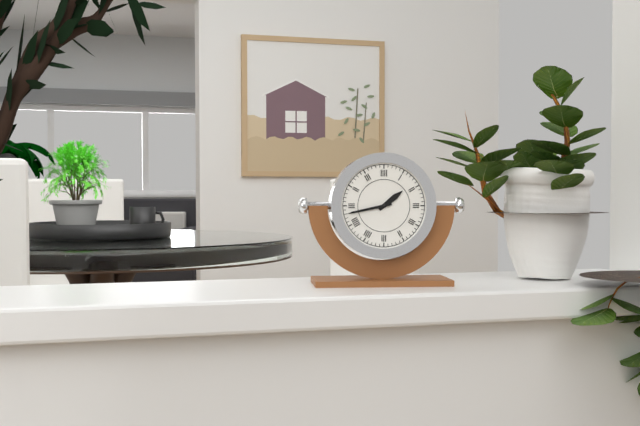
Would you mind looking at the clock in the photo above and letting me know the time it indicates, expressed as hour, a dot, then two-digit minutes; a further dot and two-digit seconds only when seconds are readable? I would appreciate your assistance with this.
1.43
